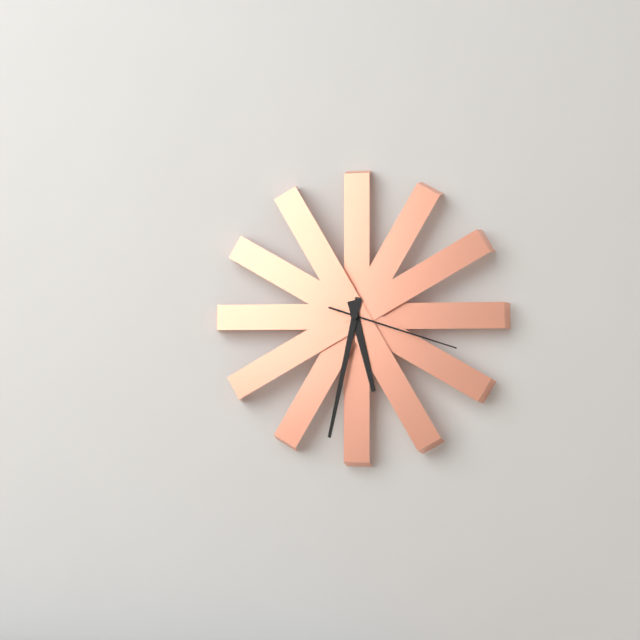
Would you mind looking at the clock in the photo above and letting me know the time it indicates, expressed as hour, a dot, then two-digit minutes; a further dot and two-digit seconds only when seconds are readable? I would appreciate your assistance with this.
5.32.18
